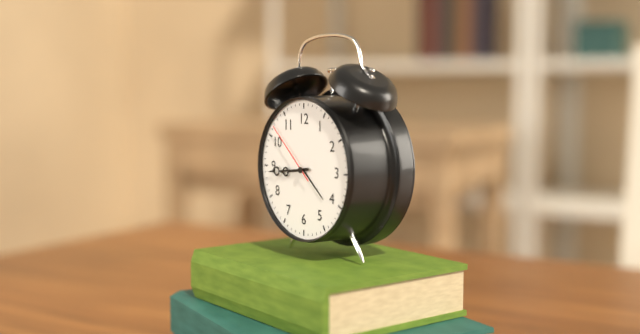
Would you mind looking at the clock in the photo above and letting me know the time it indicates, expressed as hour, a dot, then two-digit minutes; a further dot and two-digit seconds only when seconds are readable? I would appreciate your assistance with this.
8.44.52
